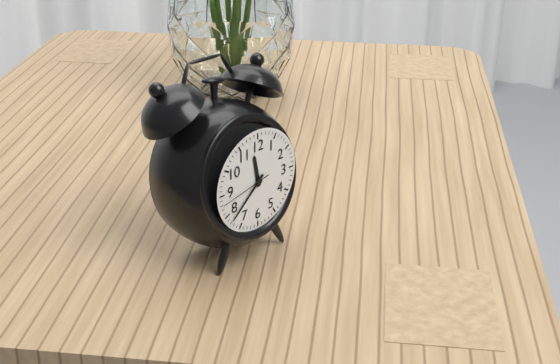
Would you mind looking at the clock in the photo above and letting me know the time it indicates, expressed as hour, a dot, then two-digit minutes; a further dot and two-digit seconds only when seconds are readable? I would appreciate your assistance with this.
11.38.43
